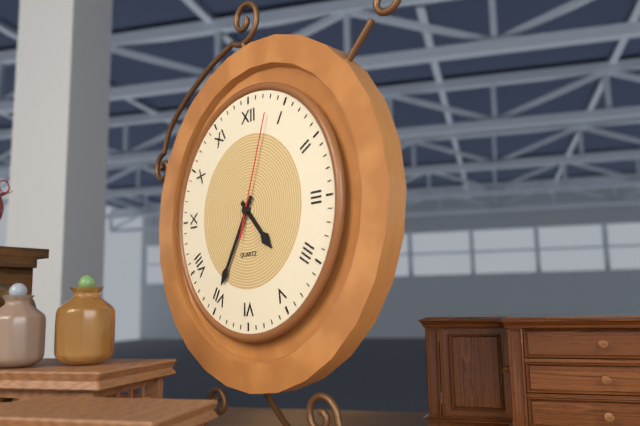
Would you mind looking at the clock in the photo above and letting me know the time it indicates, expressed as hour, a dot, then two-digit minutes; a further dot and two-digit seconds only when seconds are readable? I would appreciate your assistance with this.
4.35.03
